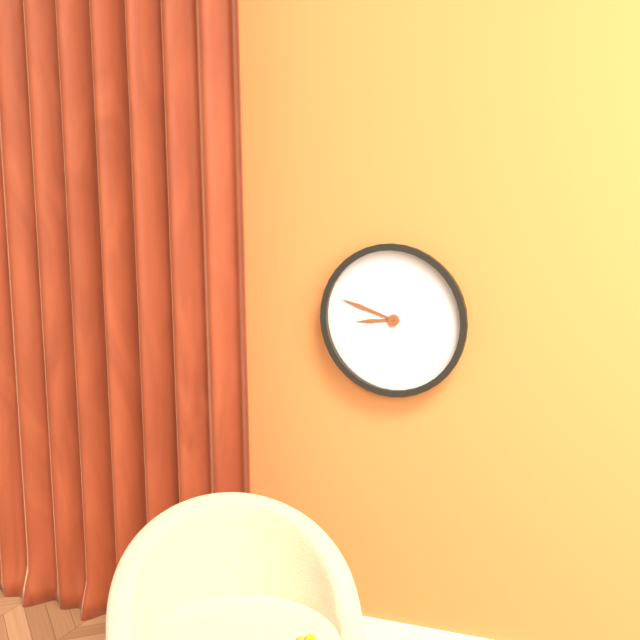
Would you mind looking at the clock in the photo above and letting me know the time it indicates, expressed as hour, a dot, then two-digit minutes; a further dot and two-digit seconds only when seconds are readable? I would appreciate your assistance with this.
8.48
